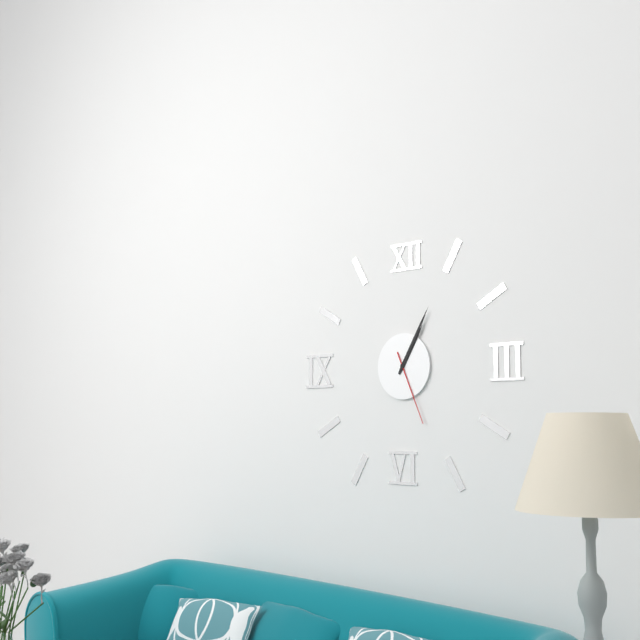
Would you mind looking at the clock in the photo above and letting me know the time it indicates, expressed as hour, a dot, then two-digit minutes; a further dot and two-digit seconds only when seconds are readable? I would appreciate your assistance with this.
1.05.26
